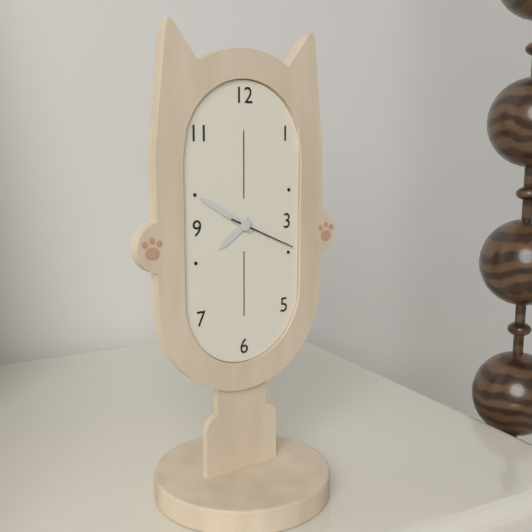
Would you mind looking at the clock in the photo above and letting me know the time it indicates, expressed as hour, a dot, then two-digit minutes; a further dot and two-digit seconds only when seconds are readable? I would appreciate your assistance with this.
7.50.19
